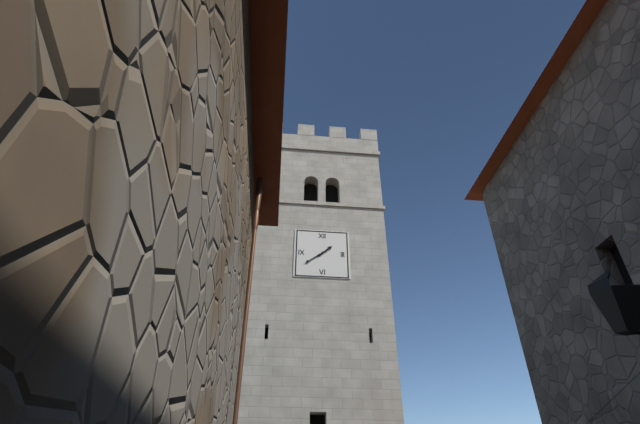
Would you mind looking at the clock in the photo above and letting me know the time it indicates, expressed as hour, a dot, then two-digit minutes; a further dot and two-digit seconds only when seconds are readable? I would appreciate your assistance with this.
1.39
